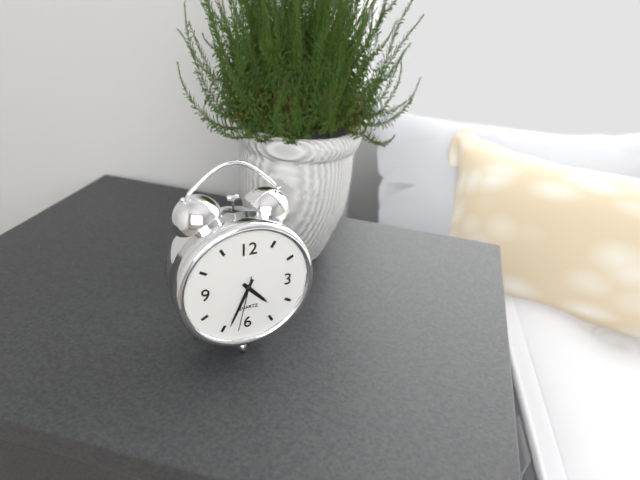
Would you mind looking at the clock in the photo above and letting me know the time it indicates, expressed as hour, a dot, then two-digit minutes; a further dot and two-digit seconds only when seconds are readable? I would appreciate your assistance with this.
4.34.32
